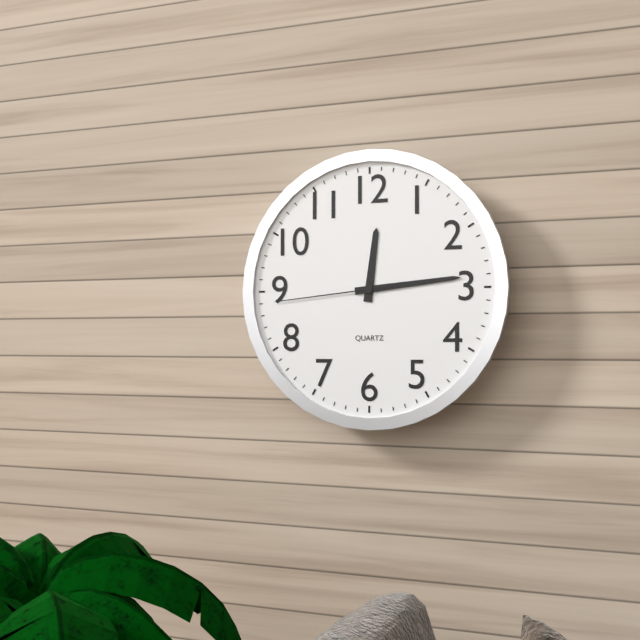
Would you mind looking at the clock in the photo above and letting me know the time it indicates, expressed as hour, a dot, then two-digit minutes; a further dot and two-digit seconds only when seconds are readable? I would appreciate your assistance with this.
12.14.44
